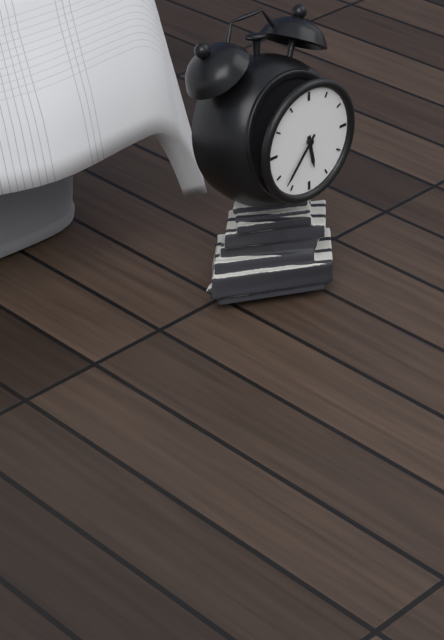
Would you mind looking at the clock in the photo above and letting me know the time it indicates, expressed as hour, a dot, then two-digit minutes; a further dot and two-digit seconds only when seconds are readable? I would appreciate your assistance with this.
5.37
